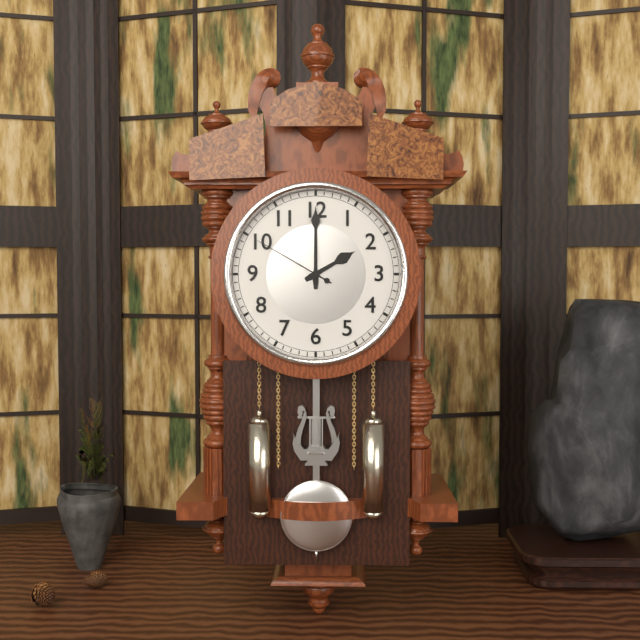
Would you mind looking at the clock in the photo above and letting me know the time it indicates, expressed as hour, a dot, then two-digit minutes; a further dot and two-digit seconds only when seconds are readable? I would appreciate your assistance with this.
2.00.50
